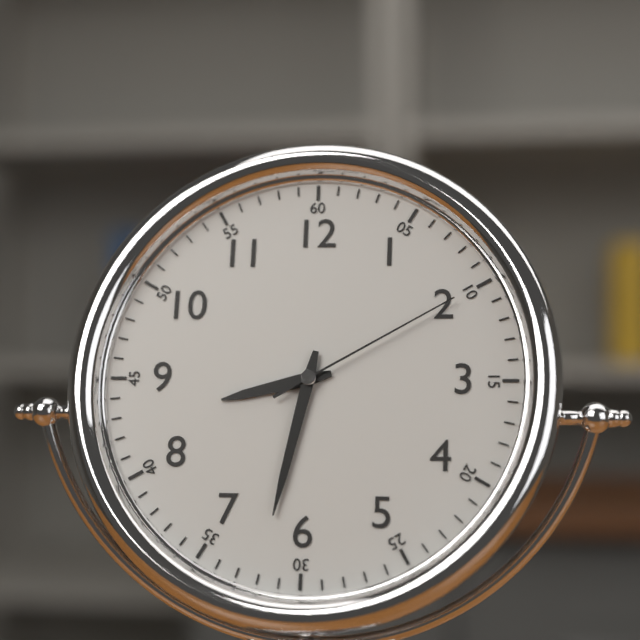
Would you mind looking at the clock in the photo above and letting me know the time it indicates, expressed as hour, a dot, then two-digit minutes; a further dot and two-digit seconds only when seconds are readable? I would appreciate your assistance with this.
8.32.10
